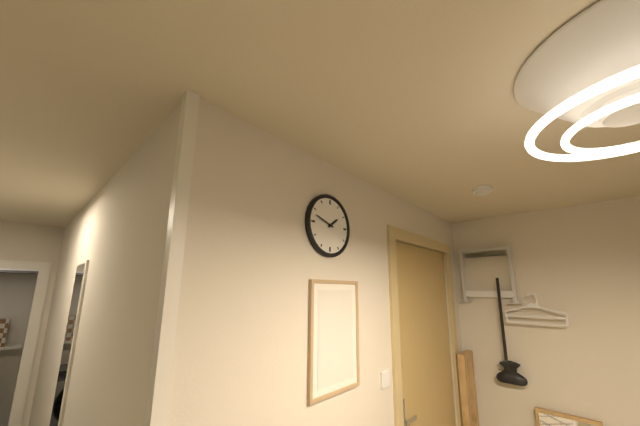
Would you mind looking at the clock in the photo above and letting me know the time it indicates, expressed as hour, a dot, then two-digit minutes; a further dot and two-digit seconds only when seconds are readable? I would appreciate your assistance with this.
1.48
